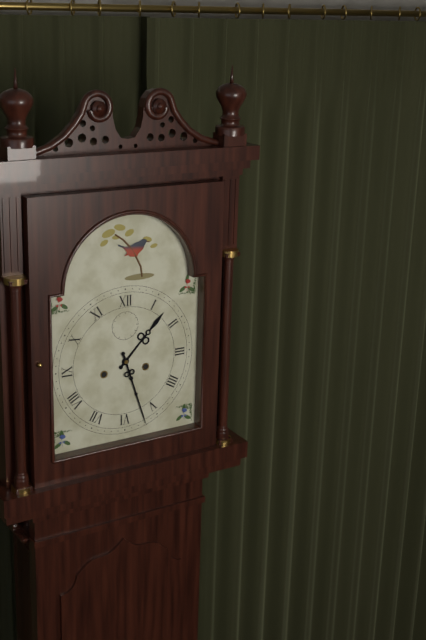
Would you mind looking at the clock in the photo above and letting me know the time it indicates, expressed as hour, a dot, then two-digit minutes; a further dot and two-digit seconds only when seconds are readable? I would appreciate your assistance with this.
1.27
